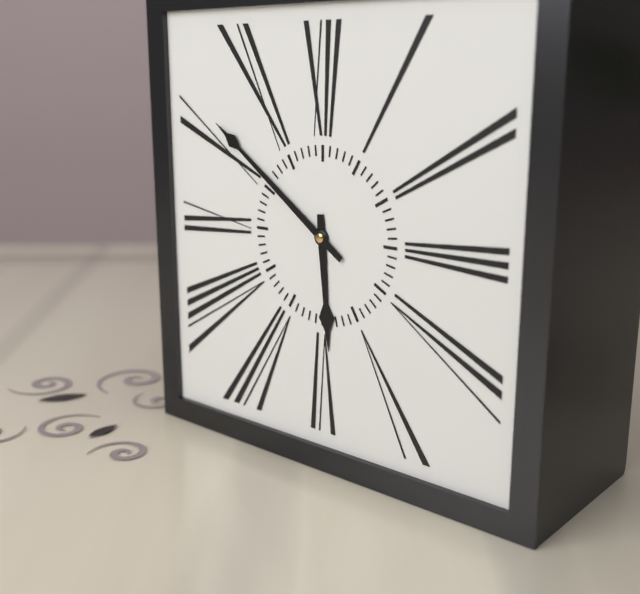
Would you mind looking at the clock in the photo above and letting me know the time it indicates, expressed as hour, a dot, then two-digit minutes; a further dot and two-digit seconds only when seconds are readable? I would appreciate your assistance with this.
5.51
